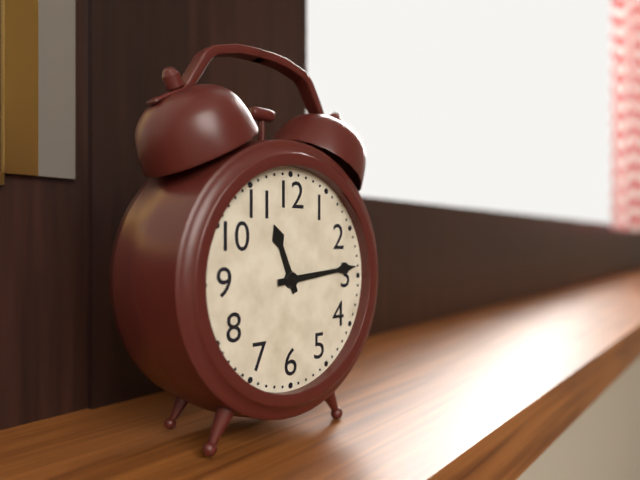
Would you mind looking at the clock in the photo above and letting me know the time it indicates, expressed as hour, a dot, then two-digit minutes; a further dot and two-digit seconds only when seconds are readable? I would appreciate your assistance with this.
11.14
